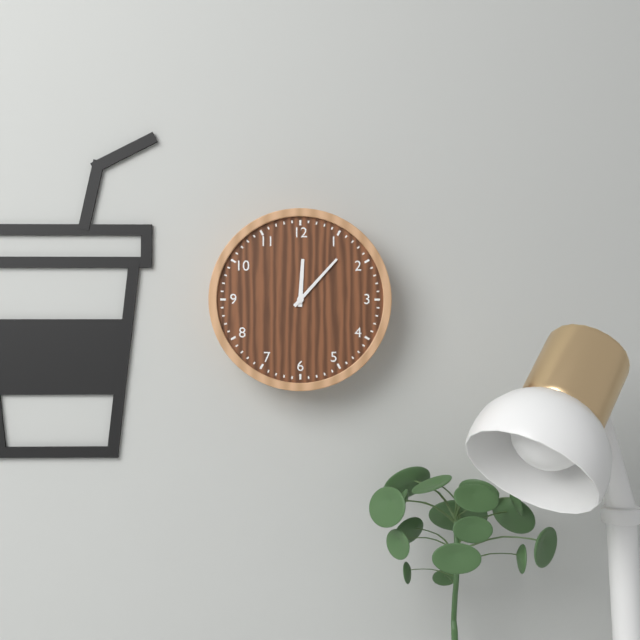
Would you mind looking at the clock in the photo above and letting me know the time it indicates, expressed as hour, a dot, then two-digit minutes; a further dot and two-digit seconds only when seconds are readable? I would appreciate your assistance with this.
12.07
